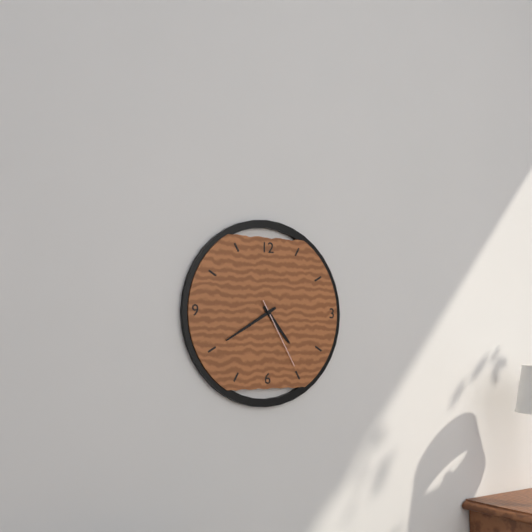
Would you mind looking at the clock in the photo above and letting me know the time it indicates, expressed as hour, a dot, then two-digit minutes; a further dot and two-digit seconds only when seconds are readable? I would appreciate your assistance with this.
4.40.25
